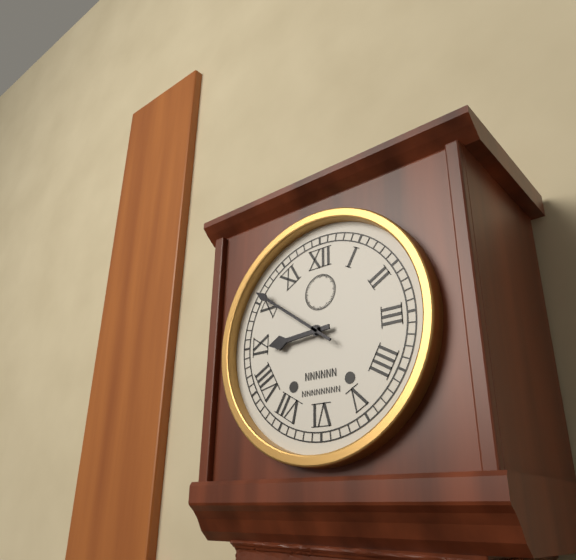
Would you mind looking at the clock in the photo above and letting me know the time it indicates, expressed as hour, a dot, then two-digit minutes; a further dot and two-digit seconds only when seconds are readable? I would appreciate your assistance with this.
8.51
